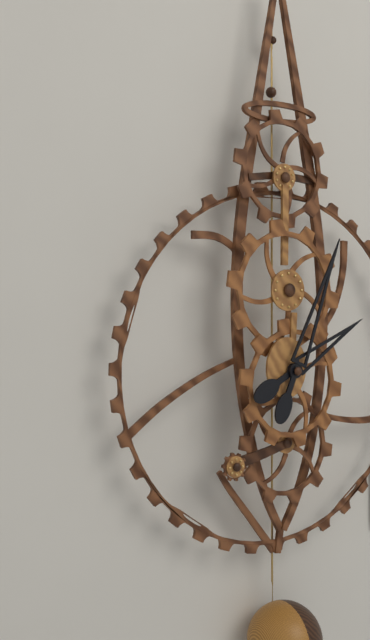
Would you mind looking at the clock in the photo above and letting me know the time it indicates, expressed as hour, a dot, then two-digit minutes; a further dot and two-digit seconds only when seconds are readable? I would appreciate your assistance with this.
2.04
